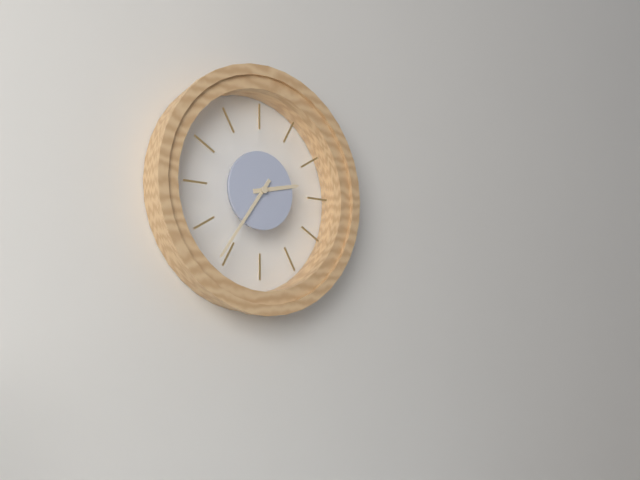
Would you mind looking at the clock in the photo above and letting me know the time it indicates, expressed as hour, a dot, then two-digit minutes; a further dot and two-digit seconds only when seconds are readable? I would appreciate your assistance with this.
2.36
